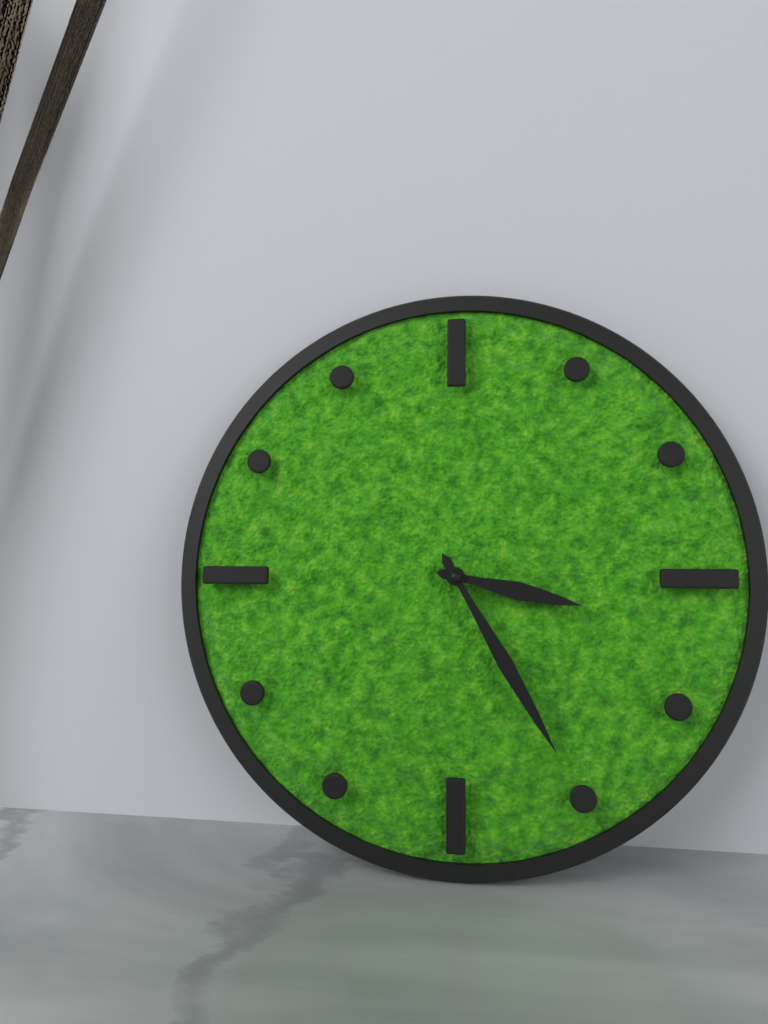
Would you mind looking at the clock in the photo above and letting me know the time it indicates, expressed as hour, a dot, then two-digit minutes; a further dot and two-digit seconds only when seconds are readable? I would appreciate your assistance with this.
3.25
